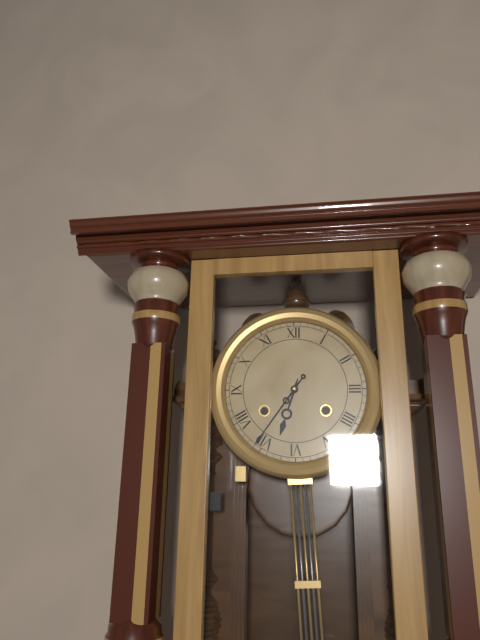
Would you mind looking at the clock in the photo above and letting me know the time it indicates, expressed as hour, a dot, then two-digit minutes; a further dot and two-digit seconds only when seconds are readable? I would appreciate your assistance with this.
6.36
